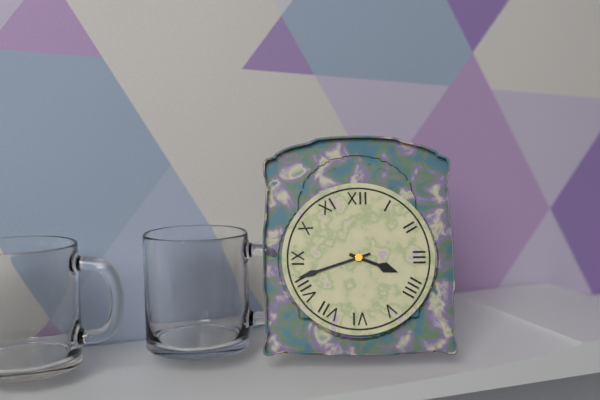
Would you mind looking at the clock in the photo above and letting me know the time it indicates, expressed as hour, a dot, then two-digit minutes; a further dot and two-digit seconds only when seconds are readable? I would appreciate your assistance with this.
3.42
